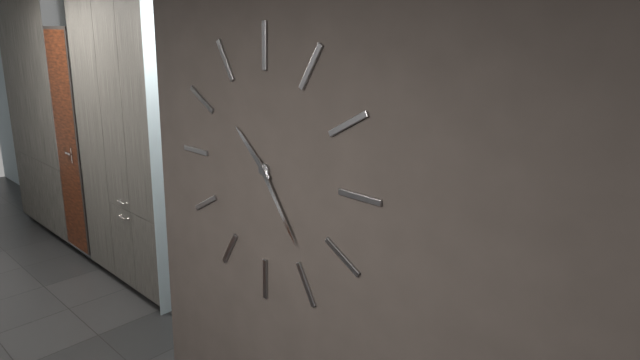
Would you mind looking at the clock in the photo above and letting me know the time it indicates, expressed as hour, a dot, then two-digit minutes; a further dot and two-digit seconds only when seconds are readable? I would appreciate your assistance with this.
10.24
